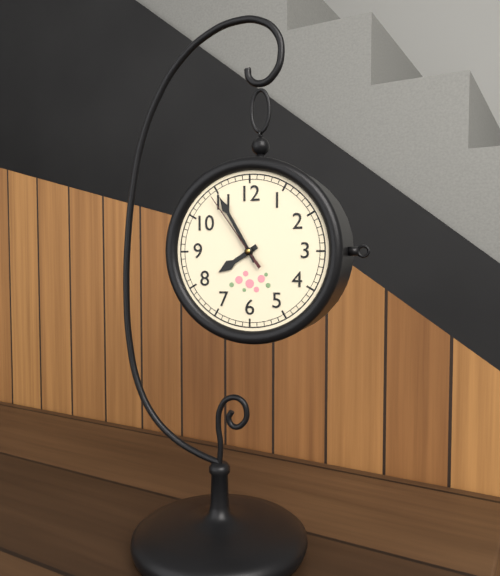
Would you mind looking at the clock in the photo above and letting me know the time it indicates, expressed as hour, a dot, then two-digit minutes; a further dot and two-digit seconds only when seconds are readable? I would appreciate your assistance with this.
7.55.54
